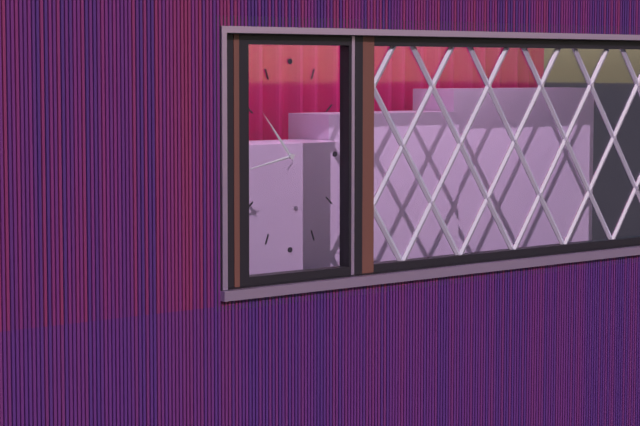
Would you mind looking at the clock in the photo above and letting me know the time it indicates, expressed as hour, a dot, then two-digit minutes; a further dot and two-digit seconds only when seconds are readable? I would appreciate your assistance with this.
10.43
